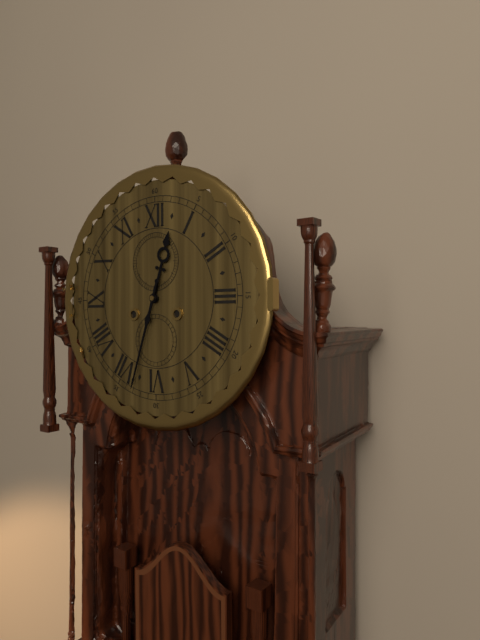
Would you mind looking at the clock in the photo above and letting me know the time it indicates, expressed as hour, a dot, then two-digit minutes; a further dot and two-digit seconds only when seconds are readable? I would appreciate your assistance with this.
12.33
